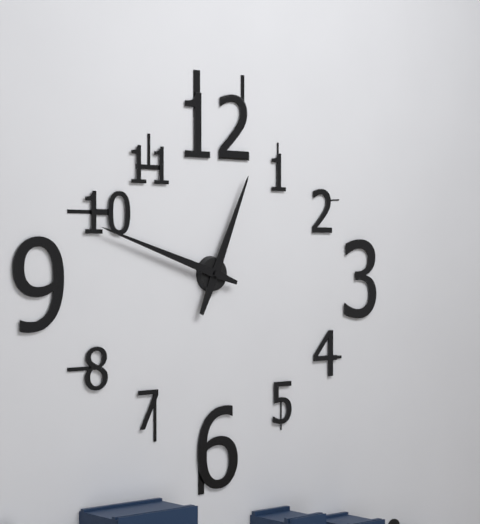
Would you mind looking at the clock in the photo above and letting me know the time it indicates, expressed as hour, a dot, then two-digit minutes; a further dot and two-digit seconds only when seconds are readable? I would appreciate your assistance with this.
12.48
